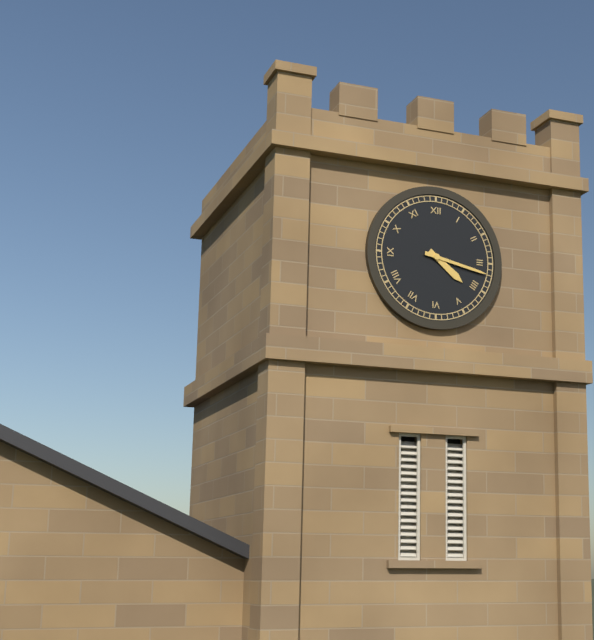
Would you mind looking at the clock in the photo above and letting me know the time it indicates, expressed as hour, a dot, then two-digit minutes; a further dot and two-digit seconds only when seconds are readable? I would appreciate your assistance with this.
4.17
